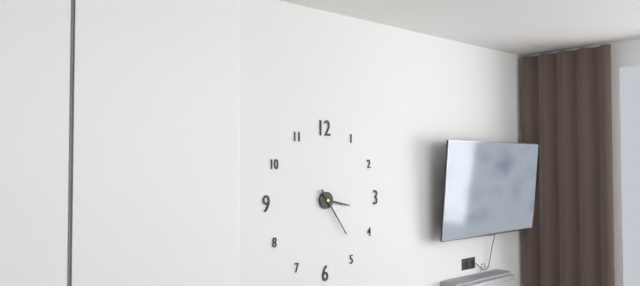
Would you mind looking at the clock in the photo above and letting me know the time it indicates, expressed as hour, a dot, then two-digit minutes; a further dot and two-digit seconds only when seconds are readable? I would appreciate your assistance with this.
3.24
